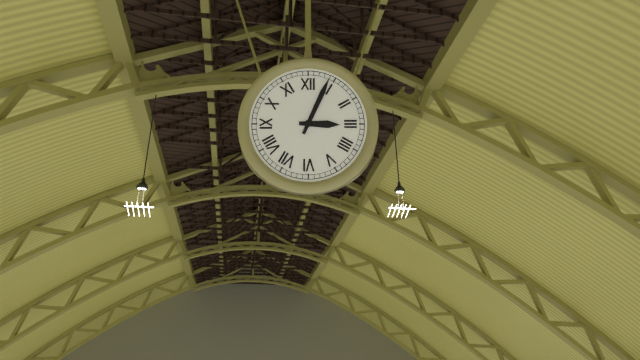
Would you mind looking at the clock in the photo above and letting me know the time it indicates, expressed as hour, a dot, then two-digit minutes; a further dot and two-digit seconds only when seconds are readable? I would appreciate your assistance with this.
3.04
